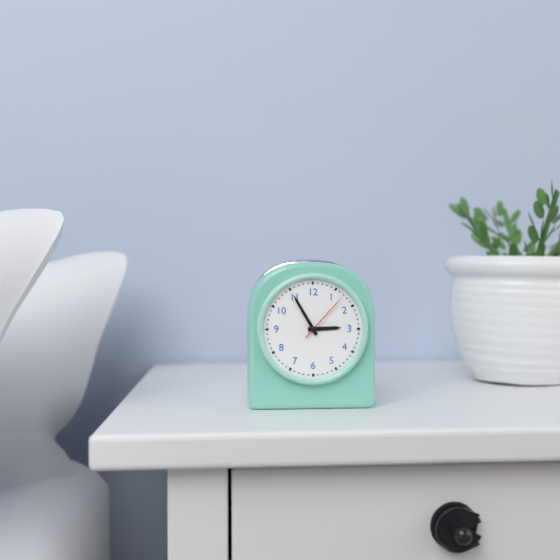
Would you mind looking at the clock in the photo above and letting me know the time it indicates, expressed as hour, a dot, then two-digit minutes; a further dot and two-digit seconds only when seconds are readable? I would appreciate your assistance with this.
2.55.07
